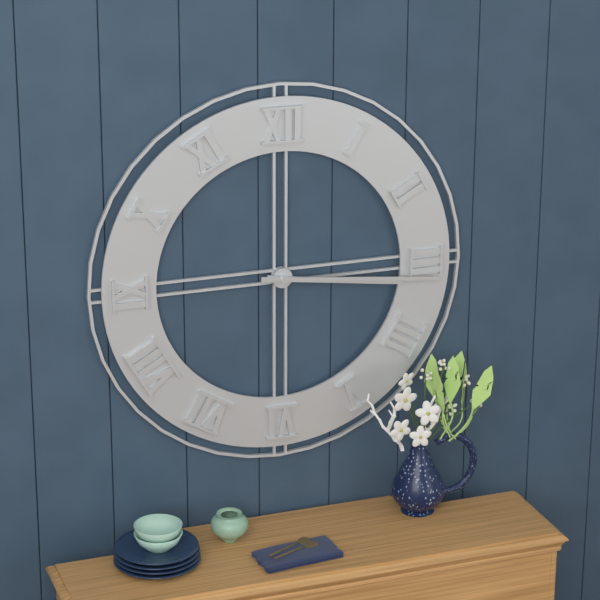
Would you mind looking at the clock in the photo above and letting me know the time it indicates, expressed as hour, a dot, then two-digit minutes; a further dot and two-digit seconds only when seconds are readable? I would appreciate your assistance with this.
3.16
